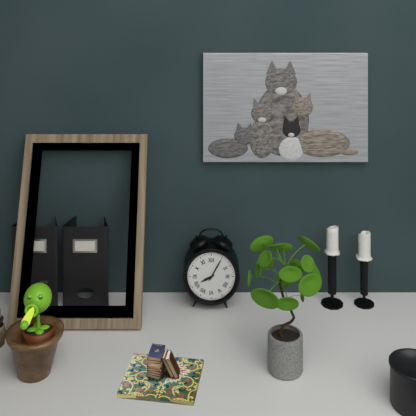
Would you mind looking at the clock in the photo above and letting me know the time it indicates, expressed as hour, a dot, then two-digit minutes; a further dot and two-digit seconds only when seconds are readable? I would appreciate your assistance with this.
8.05
